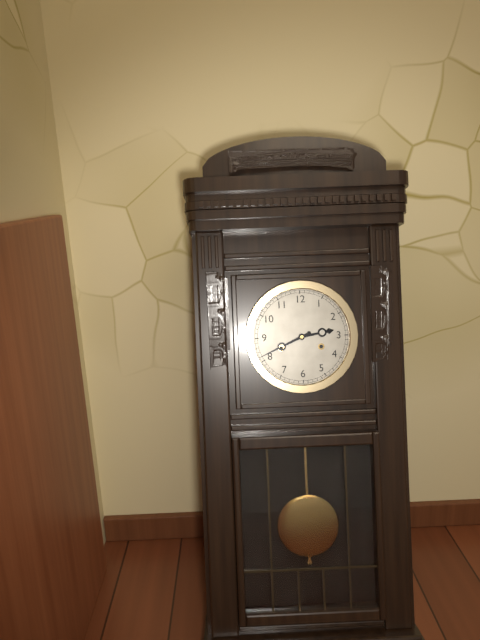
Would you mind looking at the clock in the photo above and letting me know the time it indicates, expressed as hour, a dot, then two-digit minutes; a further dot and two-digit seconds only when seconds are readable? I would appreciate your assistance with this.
2.41
